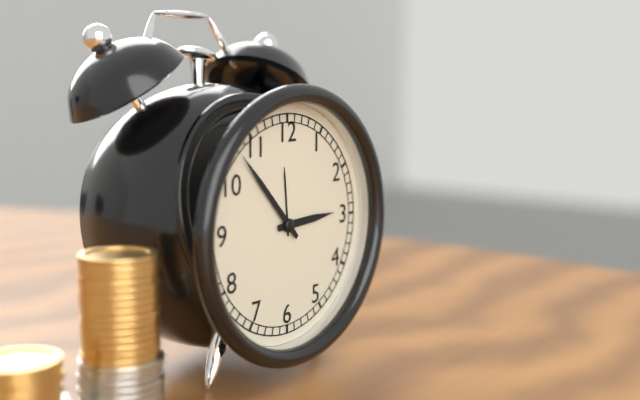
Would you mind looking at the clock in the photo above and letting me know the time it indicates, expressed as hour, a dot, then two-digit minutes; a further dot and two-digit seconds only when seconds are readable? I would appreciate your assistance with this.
2.53
